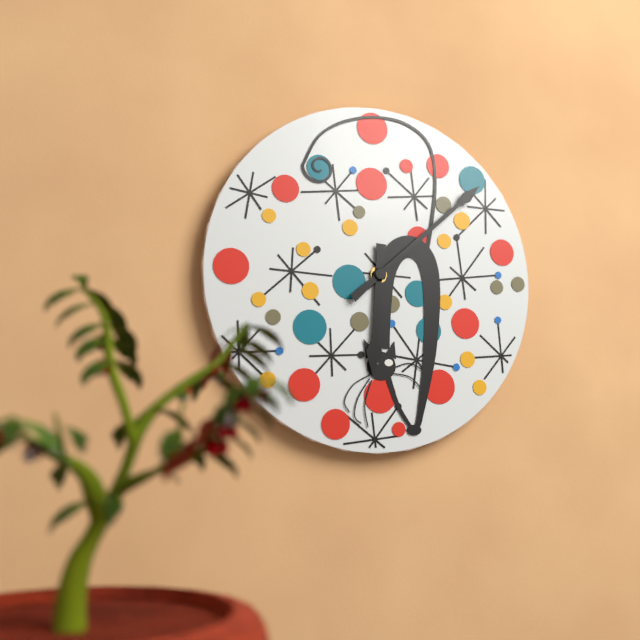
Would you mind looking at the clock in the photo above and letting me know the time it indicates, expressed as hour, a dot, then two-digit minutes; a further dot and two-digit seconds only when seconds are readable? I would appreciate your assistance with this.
6.08
